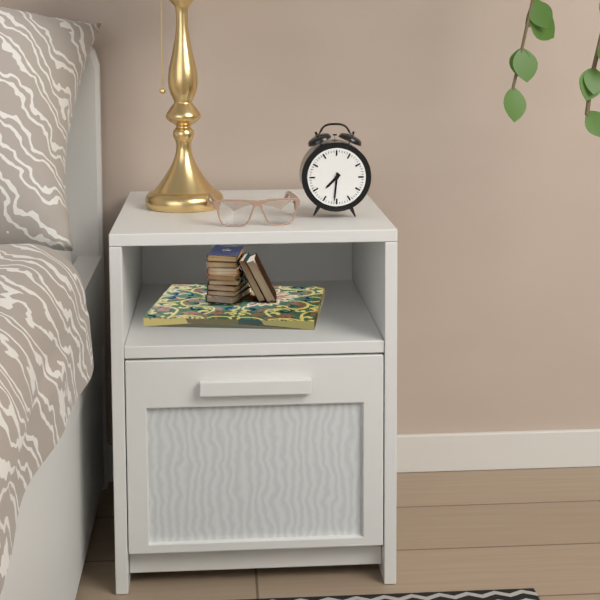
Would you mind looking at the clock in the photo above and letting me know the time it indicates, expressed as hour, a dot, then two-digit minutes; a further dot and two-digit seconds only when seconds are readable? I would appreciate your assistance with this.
7.31
